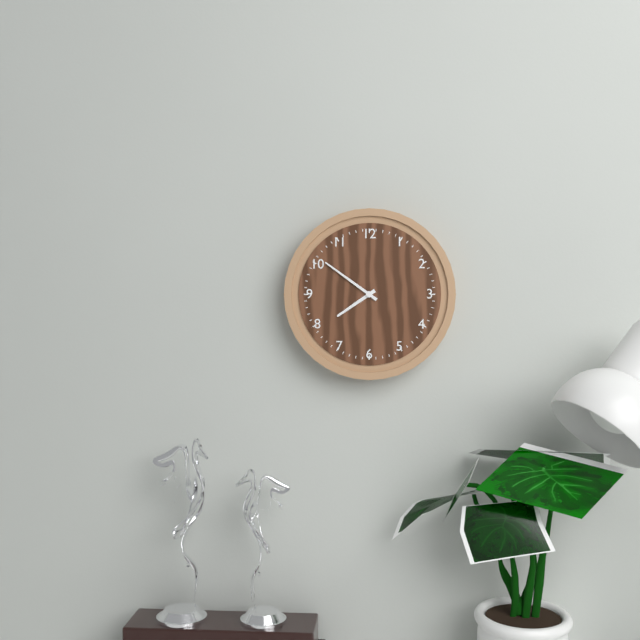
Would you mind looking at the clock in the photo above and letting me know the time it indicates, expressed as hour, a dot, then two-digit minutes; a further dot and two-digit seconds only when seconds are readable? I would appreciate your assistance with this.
7.51
